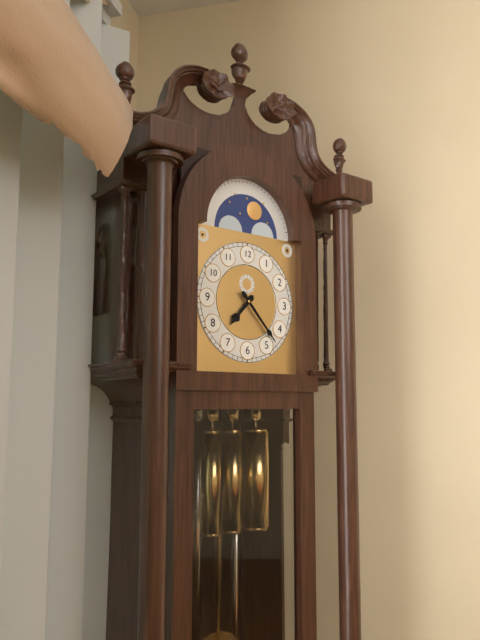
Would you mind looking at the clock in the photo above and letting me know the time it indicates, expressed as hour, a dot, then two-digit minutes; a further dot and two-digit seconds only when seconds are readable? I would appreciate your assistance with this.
7.23
